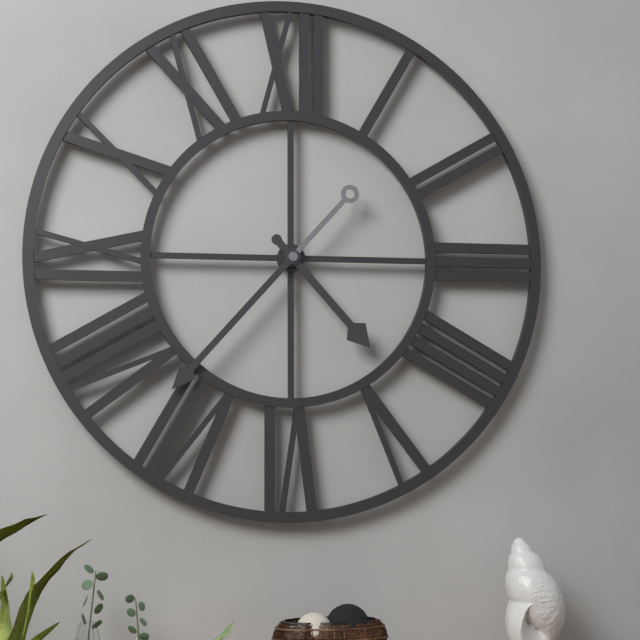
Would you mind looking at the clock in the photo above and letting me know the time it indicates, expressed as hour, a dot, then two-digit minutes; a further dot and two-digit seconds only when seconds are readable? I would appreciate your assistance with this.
4.37
